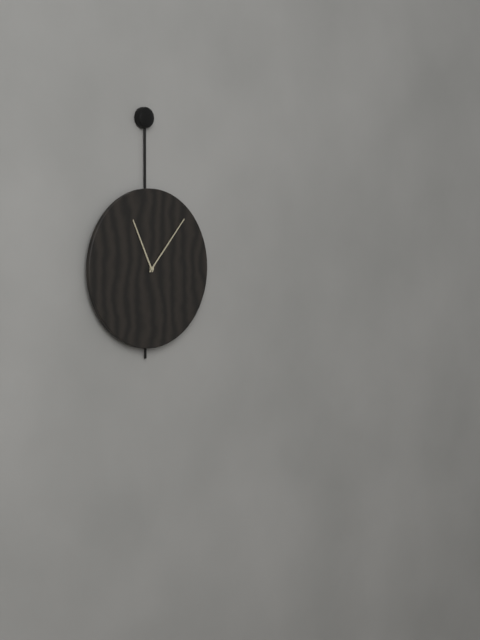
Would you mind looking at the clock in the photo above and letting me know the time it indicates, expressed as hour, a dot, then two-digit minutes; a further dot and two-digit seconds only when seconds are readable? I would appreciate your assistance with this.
11.07
